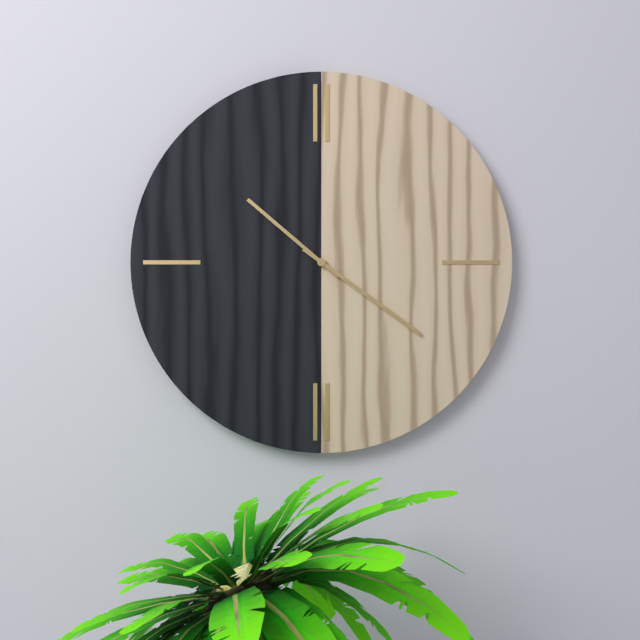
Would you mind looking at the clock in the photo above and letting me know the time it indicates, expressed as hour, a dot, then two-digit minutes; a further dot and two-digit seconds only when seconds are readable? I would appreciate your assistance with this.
10.21
